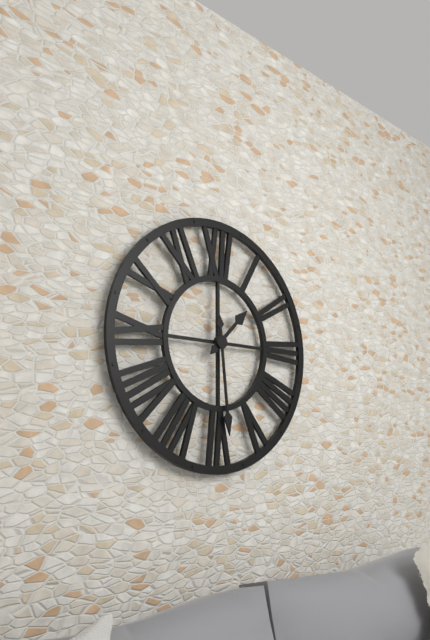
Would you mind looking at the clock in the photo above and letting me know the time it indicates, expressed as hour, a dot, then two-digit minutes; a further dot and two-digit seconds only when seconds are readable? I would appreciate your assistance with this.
1.29
